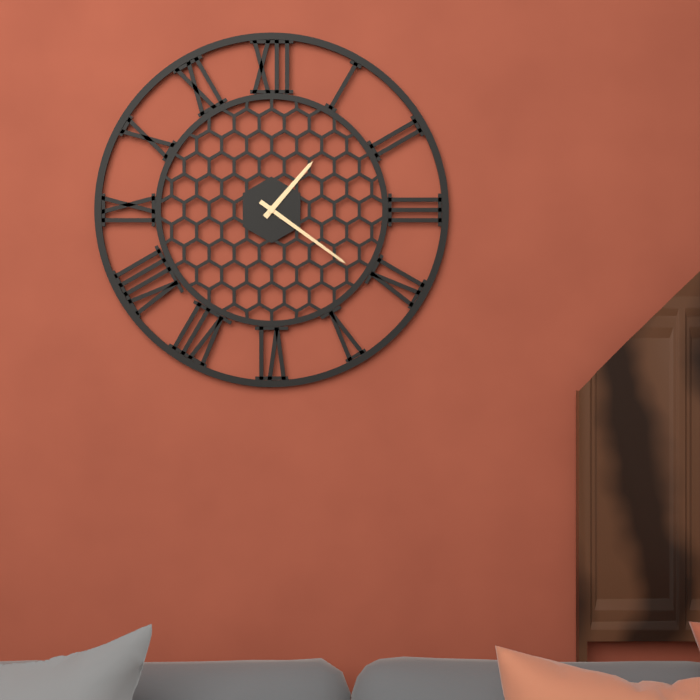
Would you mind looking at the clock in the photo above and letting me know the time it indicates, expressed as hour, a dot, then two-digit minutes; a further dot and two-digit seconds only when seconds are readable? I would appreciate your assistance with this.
1.21
